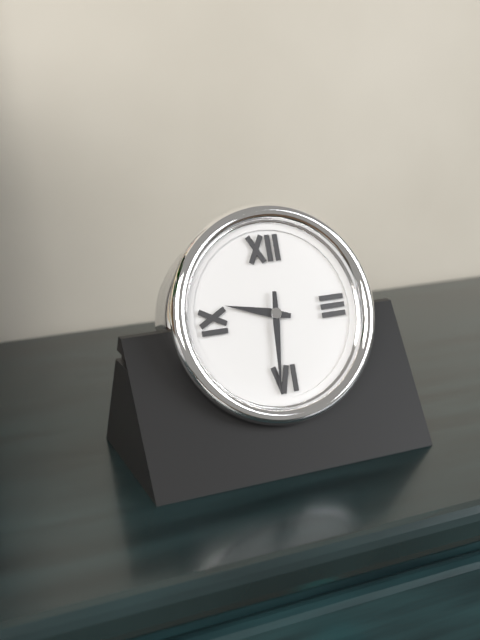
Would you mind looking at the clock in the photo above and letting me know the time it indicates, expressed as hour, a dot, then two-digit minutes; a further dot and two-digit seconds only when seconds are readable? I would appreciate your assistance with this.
9.31
